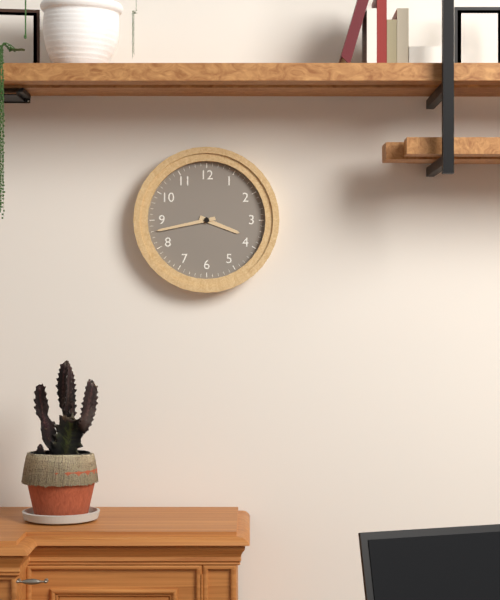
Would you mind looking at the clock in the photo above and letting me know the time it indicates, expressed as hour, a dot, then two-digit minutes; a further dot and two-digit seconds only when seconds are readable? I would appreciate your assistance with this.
3.43
